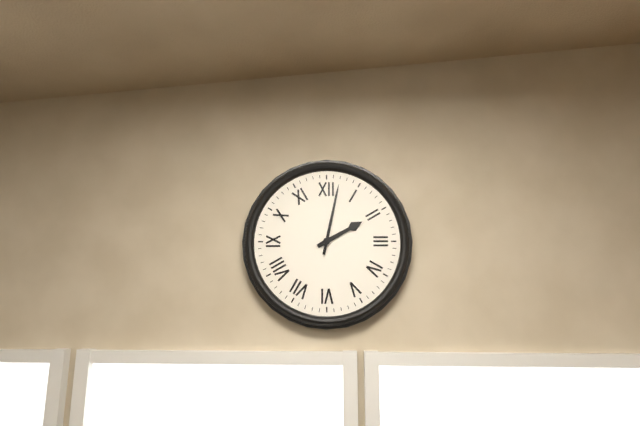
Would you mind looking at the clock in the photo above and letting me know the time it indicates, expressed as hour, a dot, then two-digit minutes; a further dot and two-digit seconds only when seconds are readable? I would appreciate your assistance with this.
2.02
